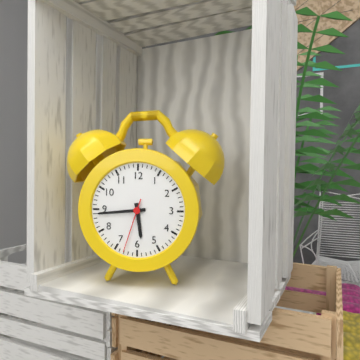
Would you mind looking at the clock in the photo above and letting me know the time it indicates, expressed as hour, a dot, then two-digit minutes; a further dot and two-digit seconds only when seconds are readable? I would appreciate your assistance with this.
5.44.33
